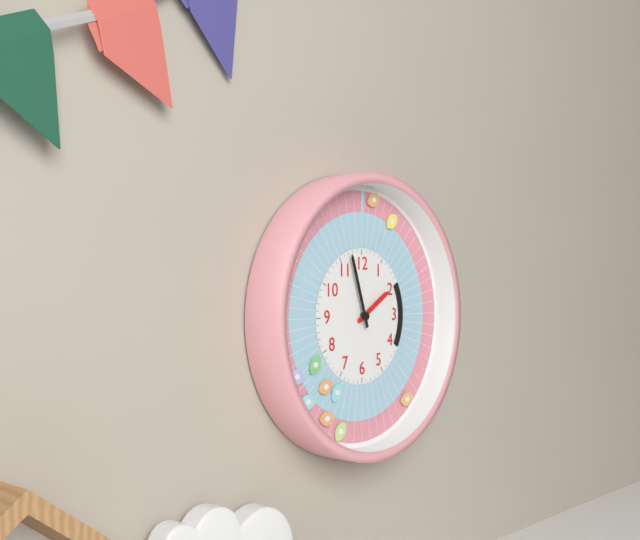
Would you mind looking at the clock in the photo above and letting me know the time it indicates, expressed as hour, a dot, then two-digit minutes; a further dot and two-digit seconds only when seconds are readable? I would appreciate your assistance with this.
1.57
